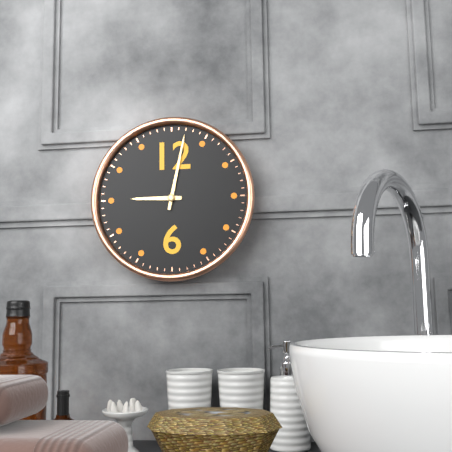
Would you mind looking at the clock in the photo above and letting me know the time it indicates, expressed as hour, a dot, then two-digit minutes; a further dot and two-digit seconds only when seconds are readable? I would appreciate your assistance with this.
9.02
